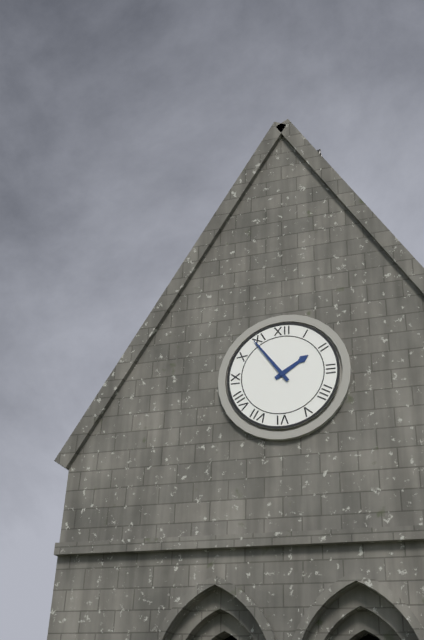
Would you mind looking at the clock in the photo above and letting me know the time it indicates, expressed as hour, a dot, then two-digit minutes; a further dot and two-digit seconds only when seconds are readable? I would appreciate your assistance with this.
1.54
